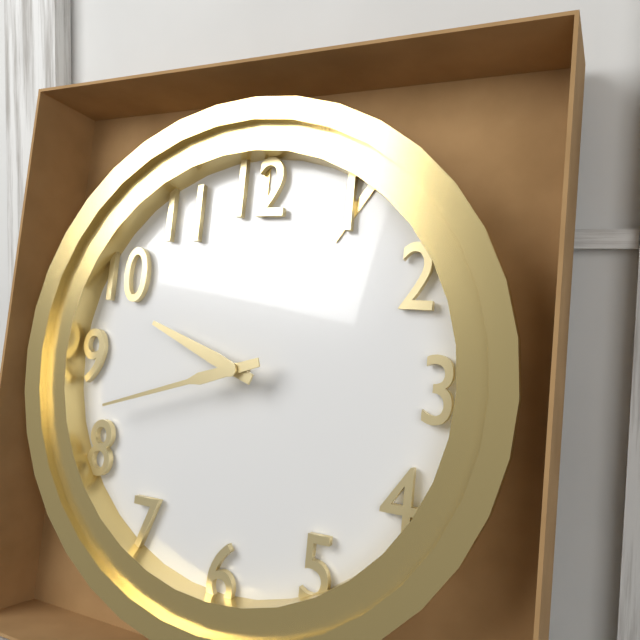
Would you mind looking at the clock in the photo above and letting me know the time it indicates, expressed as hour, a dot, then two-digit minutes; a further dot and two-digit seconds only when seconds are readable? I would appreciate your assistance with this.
9.42
